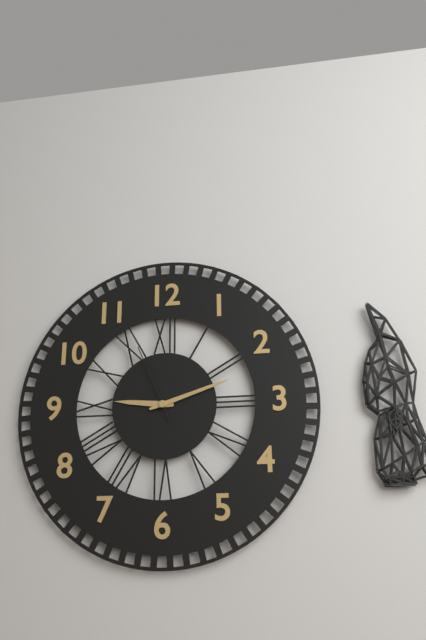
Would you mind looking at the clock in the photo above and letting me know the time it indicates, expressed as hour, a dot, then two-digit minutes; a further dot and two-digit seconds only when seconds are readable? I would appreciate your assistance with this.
9.12.56
